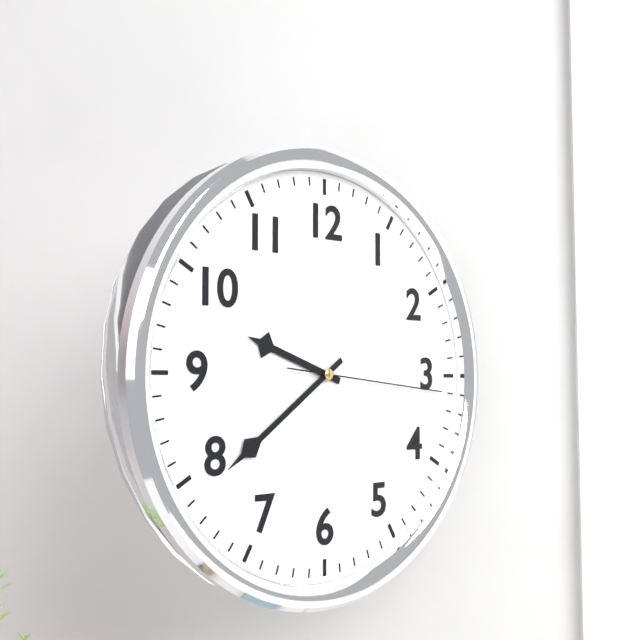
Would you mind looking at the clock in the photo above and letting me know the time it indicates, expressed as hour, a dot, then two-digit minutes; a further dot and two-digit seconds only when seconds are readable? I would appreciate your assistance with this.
9.39.16
